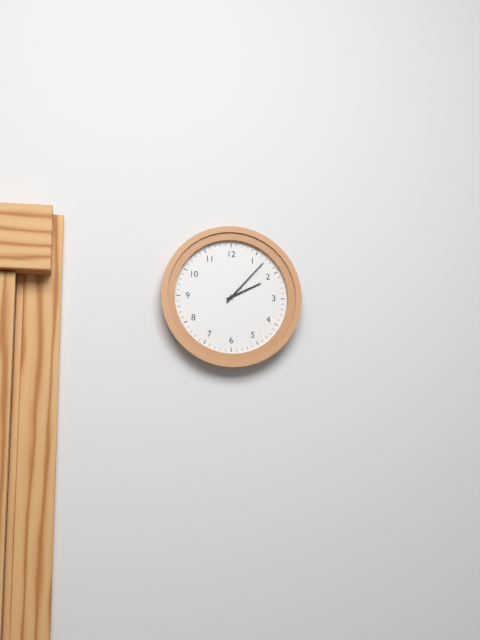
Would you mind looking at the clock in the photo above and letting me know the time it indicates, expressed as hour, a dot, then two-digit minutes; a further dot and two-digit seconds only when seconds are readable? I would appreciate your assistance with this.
2.07
